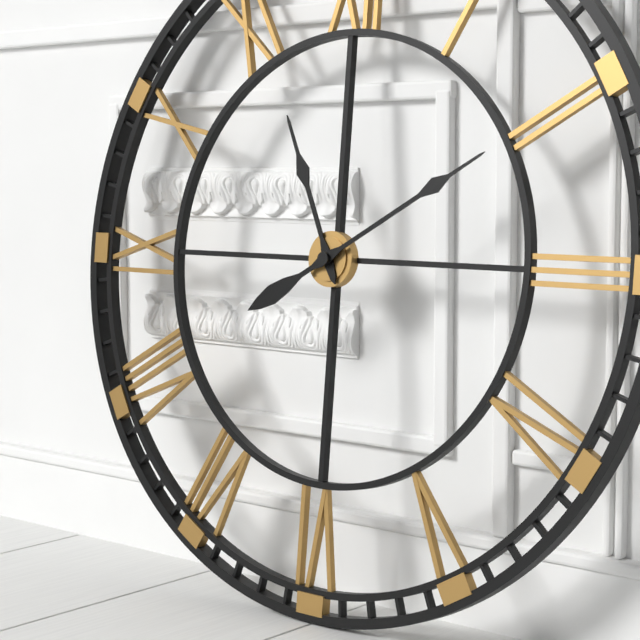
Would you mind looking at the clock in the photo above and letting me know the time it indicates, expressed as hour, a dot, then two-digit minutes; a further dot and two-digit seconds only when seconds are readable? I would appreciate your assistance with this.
11.10
